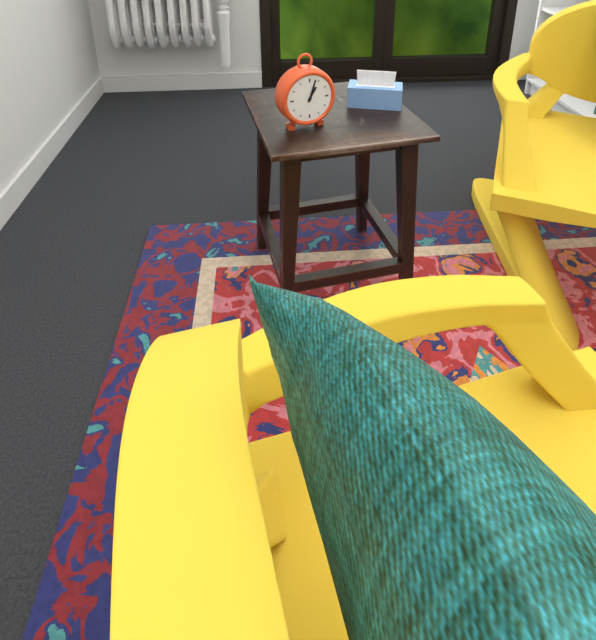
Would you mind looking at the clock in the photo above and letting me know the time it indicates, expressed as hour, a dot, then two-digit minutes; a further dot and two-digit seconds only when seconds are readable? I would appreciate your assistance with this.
1.03
